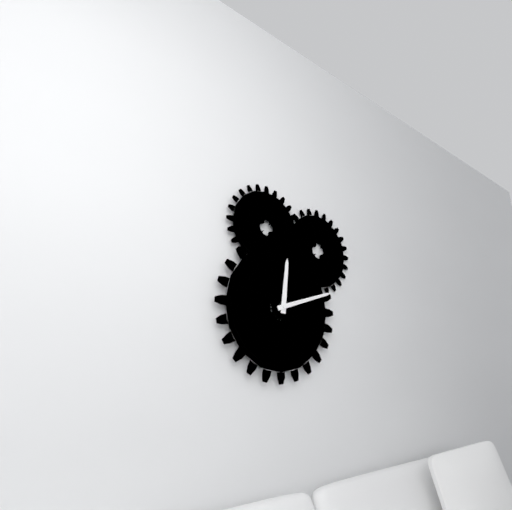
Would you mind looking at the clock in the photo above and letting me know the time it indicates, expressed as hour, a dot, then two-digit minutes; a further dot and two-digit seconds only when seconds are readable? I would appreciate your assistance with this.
12.12
